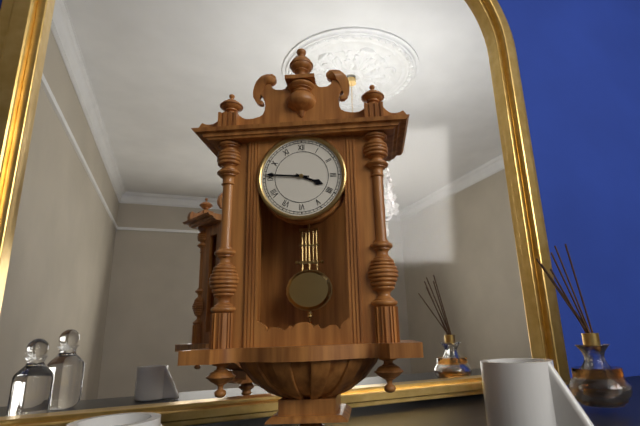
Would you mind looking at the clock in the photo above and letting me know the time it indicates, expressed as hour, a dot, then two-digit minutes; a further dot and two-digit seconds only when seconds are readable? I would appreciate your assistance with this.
3.46
